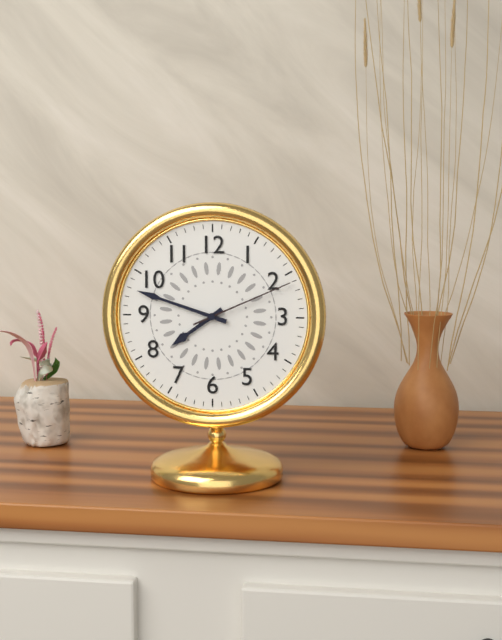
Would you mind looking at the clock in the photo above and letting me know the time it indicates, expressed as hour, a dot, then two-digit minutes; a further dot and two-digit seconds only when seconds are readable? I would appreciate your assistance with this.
7.48.11
